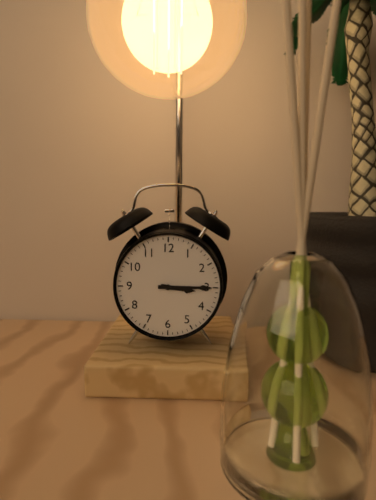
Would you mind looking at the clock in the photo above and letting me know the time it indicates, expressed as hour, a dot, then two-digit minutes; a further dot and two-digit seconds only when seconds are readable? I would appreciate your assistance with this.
3.15
